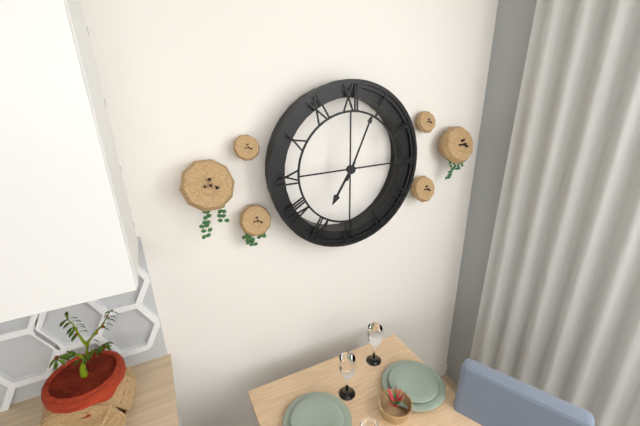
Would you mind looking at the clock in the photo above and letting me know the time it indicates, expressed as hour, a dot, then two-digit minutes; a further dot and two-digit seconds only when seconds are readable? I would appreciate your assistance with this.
7.04
